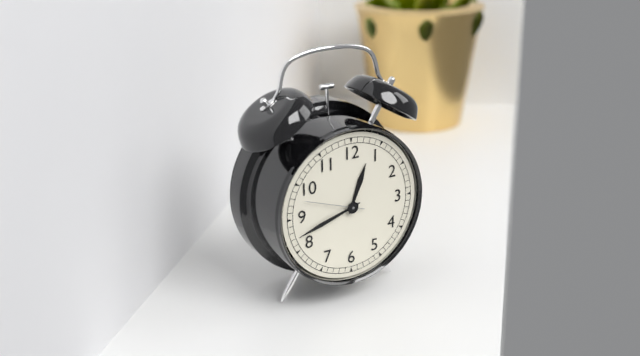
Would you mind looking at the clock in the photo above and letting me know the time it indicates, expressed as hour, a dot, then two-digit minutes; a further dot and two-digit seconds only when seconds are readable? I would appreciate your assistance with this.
12.42.48
